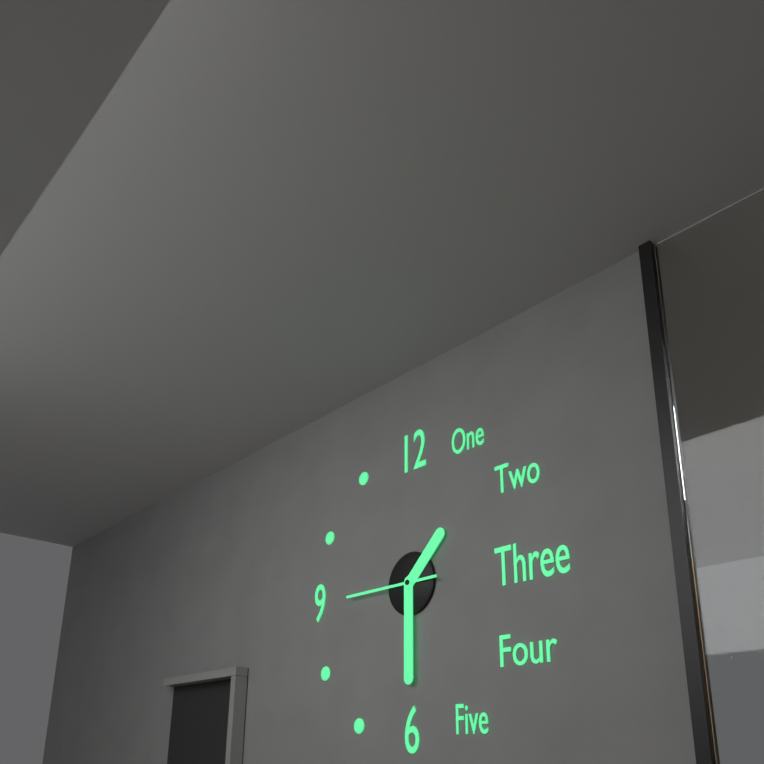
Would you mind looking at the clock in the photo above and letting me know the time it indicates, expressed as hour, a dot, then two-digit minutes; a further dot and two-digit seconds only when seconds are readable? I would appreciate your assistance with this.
1.30.45
